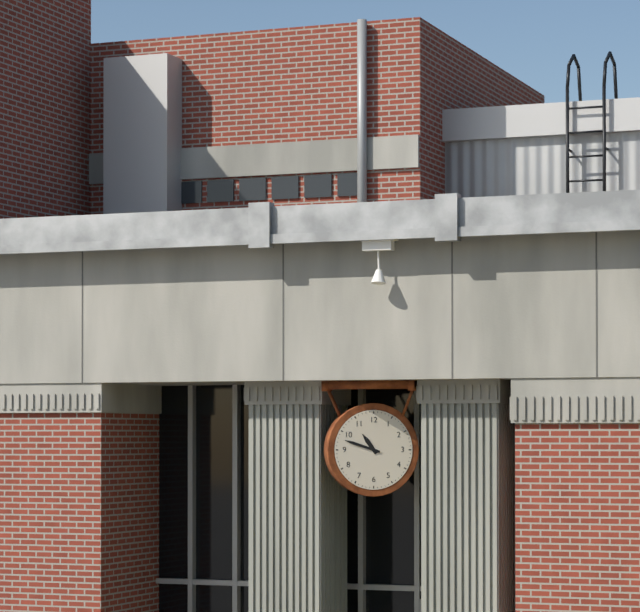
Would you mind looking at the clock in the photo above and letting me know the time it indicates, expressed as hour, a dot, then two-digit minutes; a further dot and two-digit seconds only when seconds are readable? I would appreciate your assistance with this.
10.48
